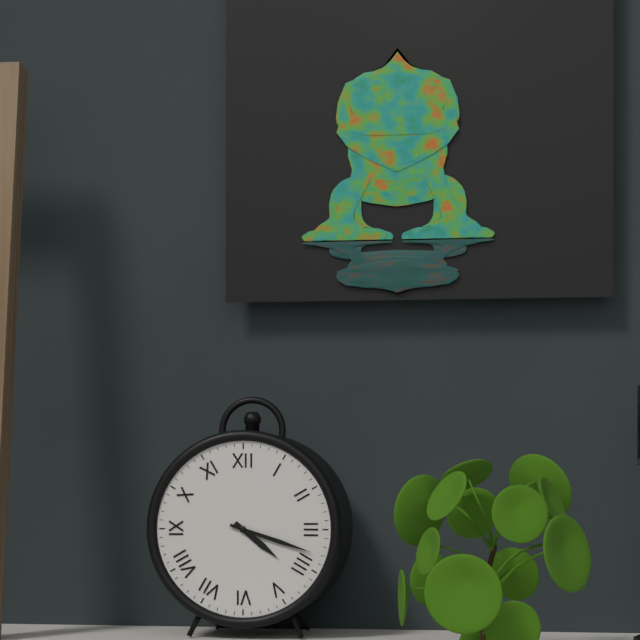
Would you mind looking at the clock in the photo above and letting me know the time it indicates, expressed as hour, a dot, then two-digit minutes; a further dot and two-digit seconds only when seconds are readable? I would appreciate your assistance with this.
4.18
